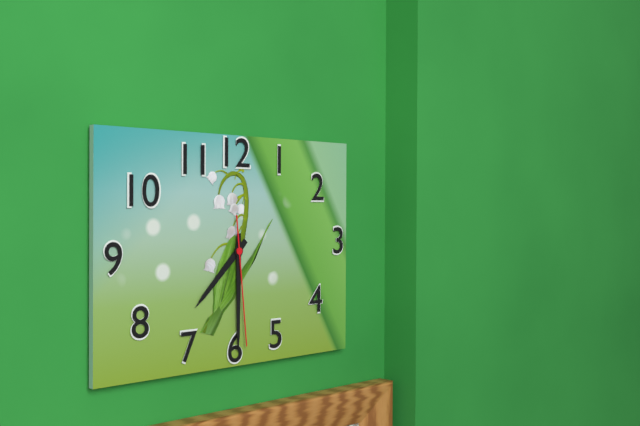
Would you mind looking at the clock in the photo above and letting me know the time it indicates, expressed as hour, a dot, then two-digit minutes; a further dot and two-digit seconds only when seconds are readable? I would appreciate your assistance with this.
7.30.29
